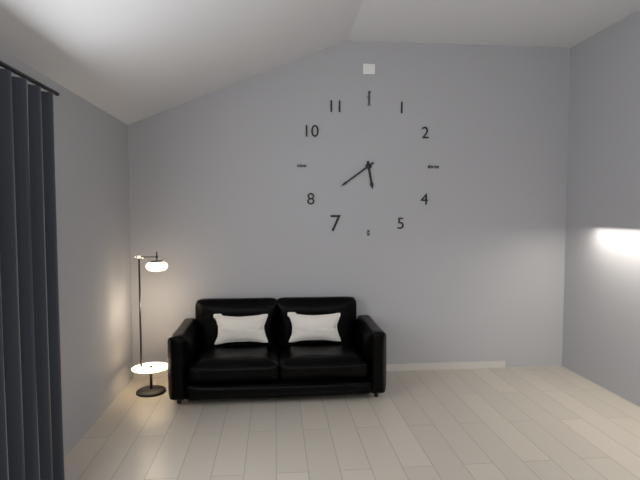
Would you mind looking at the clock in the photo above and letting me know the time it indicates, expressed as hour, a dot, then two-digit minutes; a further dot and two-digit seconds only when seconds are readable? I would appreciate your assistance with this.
5.39
